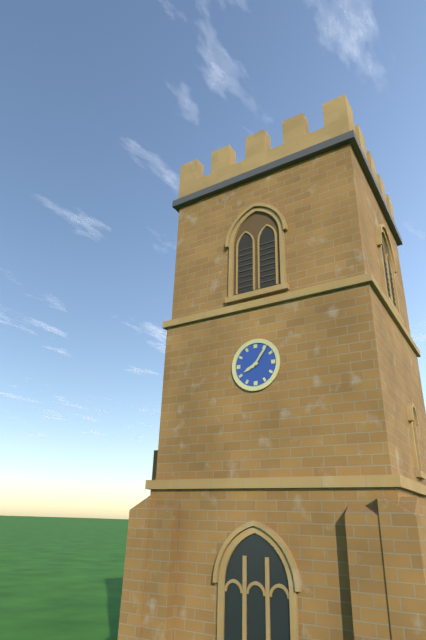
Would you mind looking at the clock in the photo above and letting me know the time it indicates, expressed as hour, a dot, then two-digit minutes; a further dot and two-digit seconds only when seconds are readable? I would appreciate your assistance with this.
8.06
